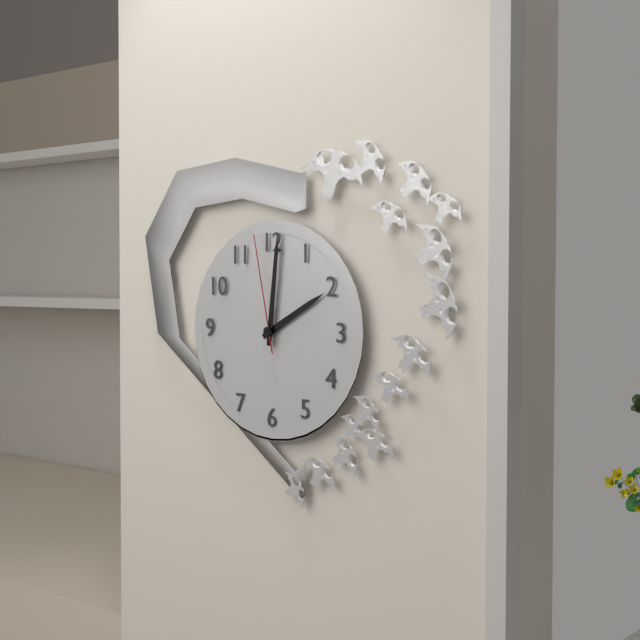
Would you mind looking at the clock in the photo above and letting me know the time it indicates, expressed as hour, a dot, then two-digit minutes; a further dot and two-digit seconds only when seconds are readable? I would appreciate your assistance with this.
2.01.58
